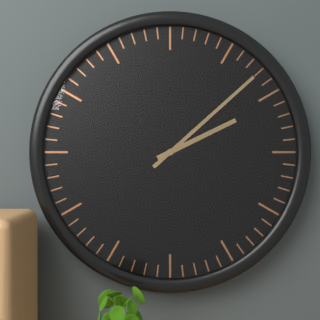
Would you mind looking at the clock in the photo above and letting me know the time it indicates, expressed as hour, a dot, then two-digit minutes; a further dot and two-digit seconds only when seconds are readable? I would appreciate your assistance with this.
2.08
